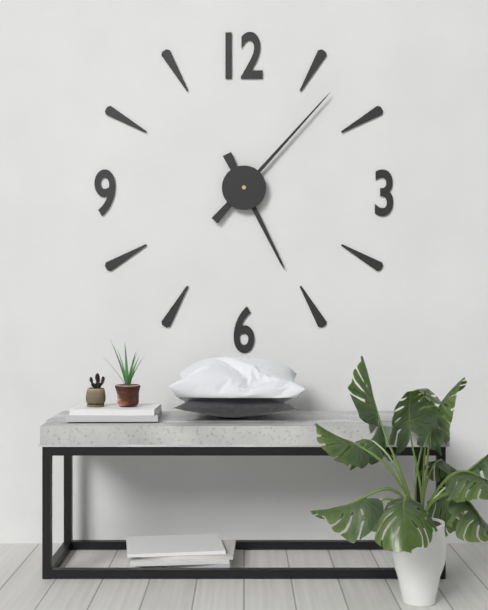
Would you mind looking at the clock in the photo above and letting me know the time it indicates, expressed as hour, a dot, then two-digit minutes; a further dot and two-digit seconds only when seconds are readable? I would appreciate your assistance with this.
5.07
